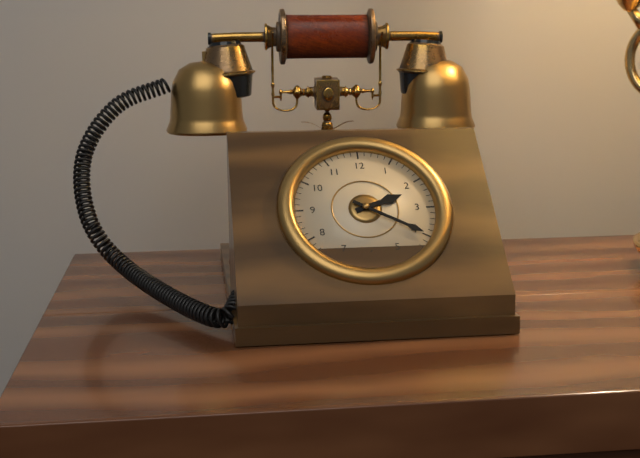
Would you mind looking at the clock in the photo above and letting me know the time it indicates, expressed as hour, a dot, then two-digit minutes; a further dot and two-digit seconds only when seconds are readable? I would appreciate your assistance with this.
2.20
